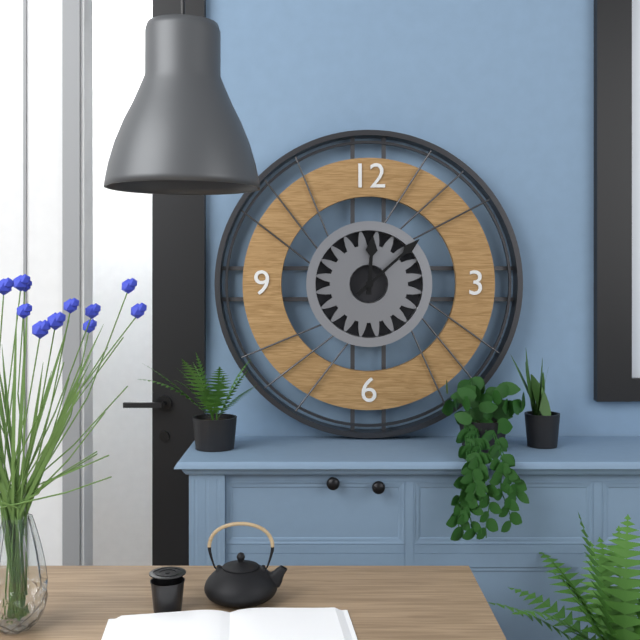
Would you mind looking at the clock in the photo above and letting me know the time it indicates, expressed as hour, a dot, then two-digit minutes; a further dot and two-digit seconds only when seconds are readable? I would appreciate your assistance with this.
12.08
